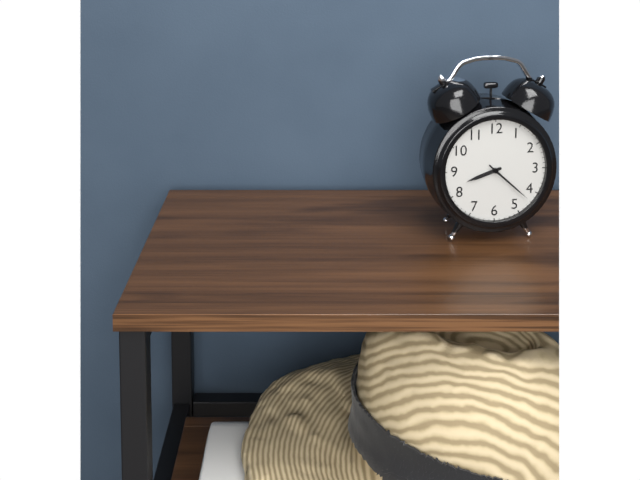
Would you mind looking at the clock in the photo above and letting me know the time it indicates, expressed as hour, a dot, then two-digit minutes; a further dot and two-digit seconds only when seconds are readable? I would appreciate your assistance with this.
8.22
